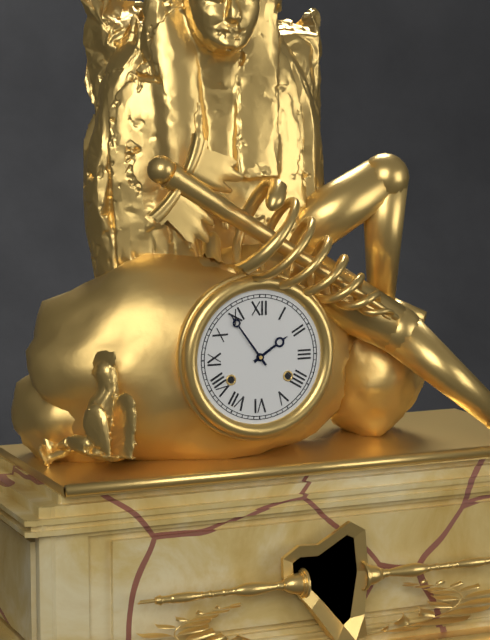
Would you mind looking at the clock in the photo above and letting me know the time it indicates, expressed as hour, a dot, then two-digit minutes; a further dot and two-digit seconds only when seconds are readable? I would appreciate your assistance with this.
1.54
